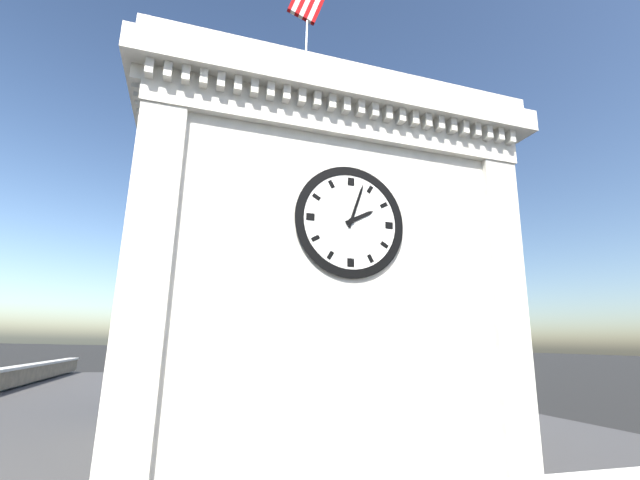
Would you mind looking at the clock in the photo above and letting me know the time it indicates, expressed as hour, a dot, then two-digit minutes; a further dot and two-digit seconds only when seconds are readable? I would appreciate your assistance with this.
2.03
